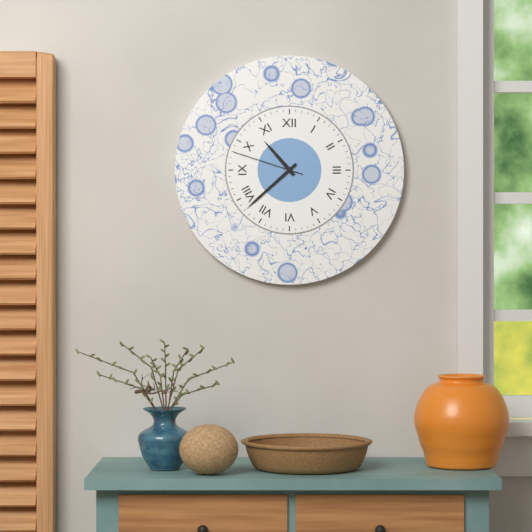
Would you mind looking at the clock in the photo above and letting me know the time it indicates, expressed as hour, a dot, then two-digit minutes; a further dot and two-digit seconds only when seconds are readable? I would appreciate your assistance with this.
10.38.48
